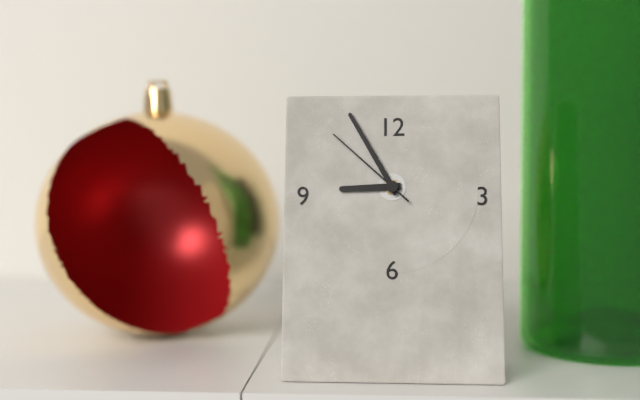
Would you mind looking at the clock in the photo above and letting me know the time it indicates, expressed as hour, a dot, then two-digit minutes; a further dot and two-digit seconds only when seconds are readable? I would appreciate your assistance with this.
8.55.52
